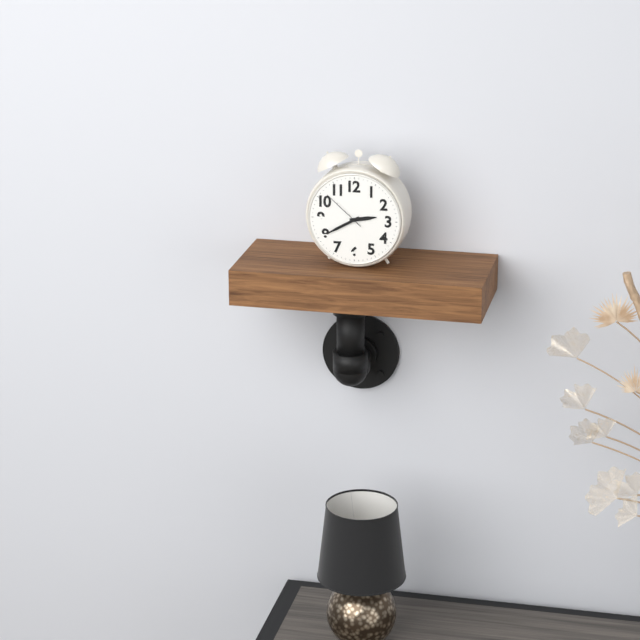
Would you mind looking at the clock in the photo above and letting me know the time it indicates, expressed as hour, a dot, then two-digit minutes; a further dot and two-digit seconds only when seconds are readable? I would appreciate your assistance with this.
2.40
